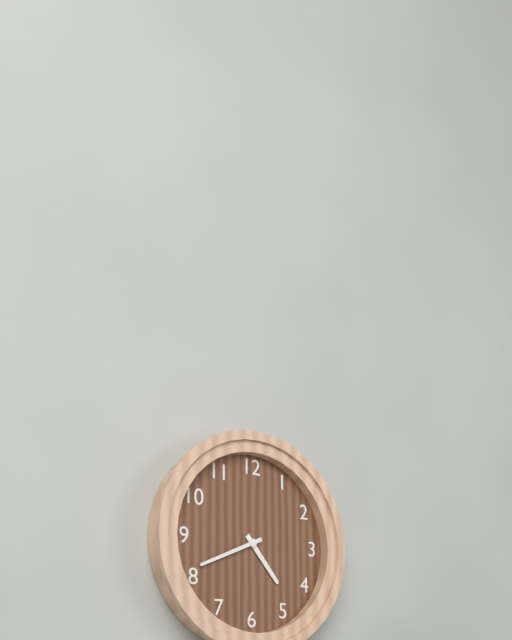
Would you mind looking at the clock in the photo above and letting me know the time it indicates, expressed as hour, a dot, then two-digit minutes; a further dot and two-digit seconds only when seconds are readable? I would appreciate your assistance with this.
4.41
